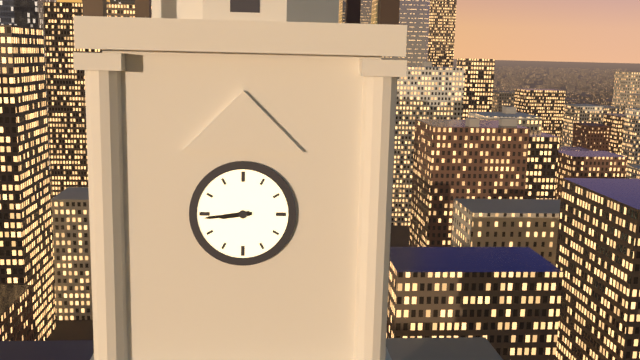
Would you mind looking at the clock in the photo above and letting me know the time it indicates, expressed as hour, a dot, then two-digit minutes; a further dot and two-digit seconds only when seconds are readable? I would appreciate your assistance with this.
8.44
